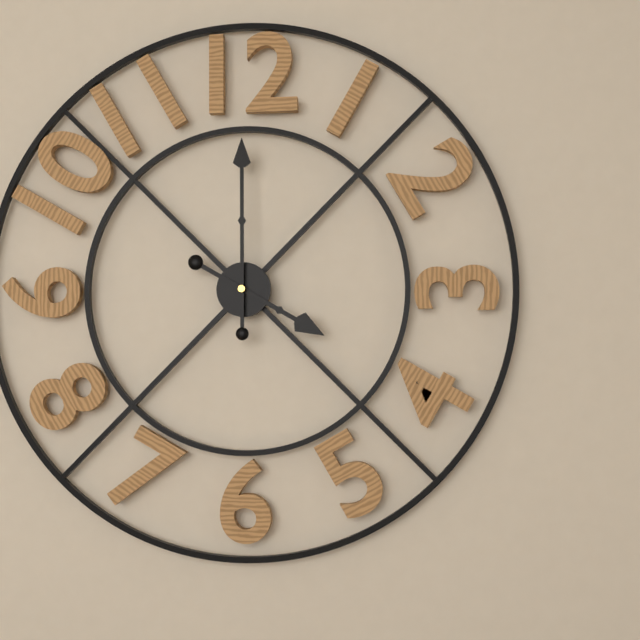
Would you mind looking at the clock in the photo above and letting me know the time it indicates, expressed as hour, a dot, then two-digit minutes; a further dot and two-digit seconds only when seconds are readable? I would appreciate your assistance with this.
4.00
